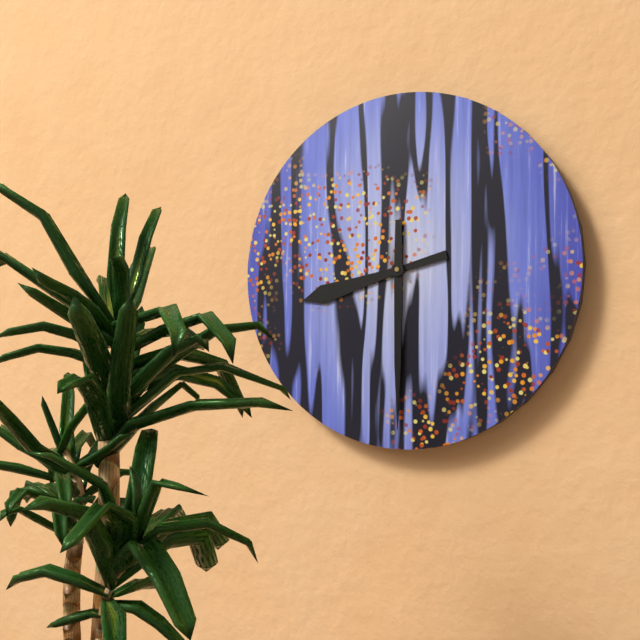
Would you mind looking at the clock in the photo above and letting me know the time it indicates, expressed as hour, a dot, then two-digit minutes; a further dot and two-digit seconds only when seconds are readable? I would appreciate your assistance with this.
8.30
